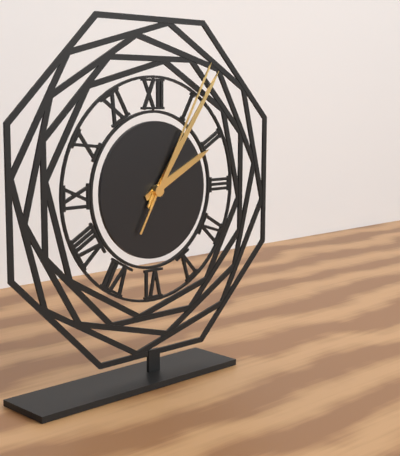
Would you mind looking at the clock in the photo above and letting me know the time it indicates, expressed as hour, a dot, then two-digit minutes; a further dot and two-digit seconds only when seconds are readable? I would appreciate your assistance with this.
2.06.05
